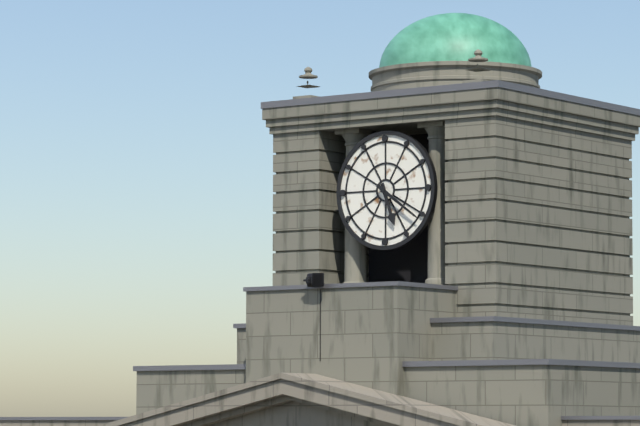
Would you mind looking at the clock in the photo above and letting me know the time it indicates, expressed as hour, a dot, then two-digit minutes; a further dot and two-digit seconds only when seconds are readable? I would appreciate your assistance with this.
5.21
